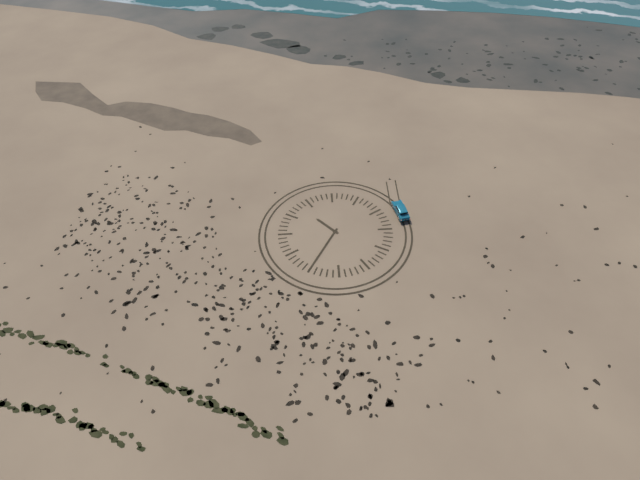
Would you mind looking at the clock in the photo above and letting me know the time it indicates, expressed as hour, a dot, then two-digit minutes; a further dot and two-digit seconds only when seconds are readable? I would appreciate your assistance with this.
10.35
